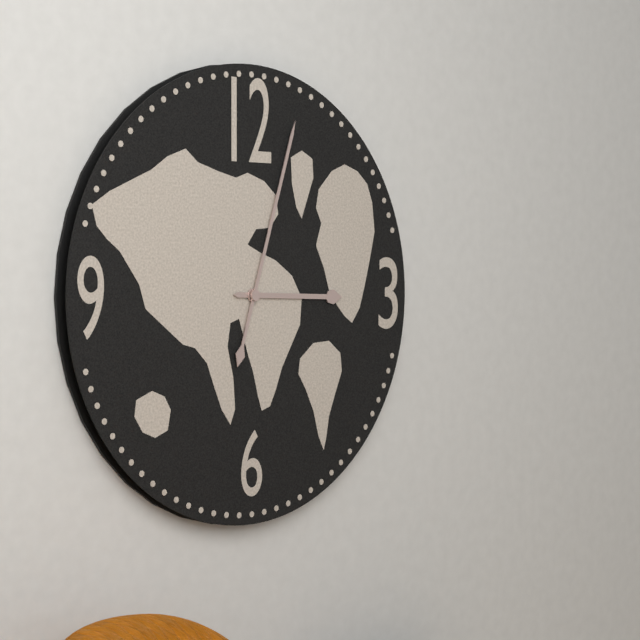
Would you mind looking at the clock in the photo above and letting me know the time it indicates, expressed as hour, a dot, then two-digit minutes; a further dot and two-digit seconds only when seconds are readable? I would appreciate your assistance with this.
3.03
